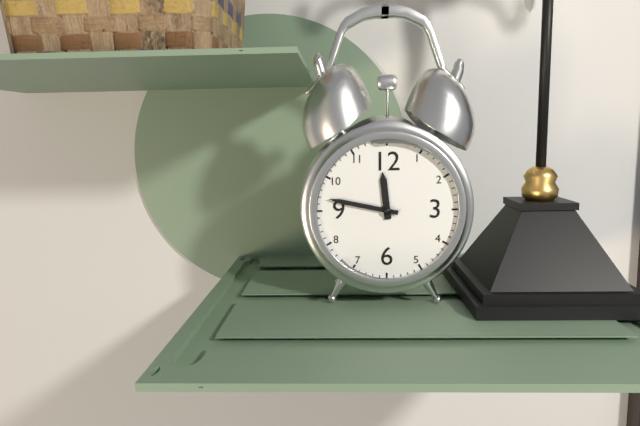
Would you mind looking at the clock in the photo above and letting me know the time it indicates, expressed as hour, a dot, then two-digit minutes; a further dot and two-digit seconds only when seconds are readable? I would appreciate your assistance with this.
11.47
